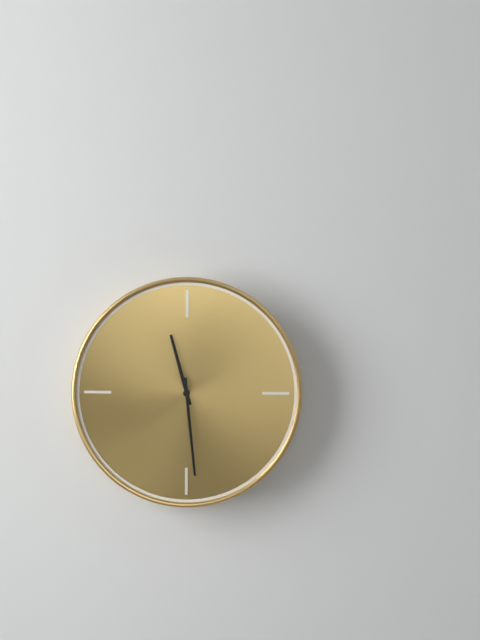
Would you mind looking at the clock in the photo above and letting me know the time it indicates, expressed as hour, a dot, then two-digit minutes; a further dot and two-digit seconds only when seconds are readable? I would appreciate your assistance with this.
11.29
